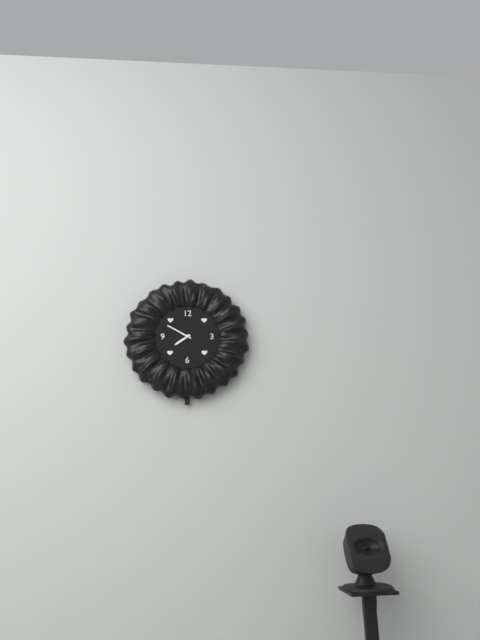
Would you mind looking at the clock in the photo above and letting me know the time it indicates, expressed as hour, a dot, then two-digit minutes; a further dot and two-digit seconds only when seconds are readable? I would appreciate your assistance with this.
7.50
